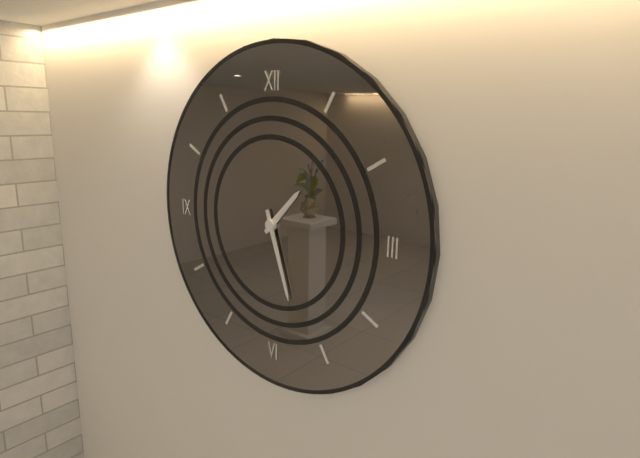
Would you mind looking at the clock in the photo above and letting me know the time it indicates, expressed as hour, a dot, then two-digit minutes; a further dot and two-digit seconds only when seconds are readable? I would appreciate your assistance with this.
1.27
